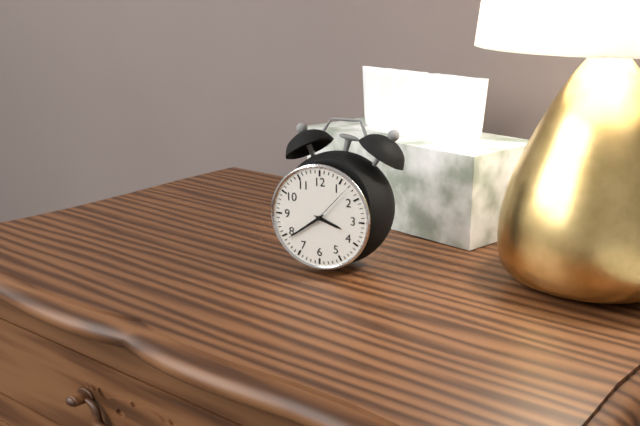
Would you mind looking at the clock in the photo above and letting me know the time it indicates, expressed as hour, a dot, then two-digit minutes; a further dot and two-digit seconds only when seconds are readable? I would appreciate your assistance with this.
3.39.07
